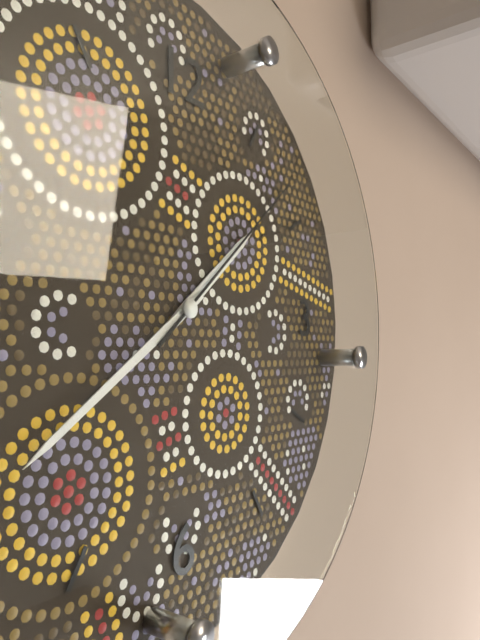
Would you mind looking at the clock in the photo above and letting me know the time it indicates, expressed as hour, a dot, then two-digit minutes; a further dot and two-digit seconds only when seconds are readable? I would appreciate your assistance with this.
1.39.08
